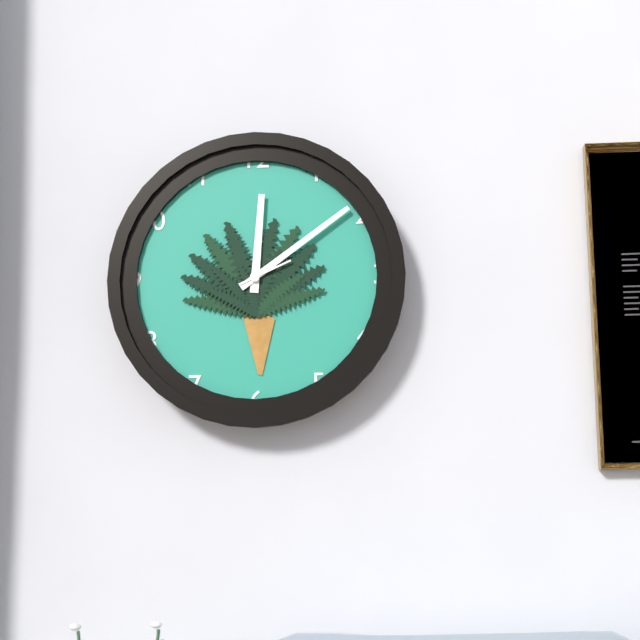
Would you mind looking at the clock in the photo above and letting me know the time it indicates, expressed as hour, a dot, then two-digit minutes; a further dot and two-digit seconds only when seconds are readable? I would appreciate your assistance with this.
12.09
